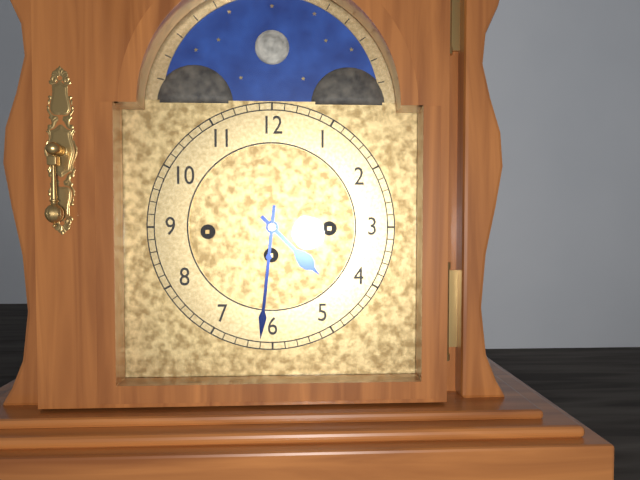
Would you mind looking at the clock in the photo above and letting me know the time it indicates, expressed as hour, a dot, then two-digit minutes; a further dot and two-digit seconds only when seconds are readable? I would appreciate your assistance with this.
4.31
